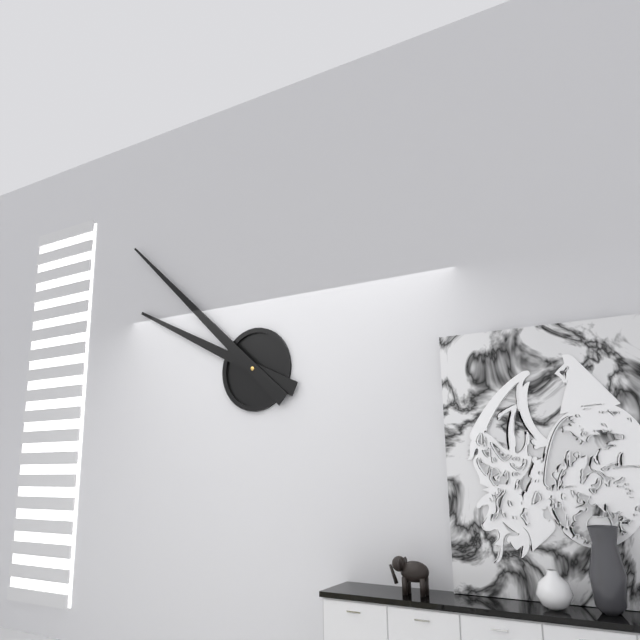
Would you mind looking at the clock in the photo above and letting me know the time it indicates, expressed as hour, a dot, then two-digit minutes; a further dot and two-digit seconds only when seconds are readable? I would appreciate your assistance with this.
9.52
